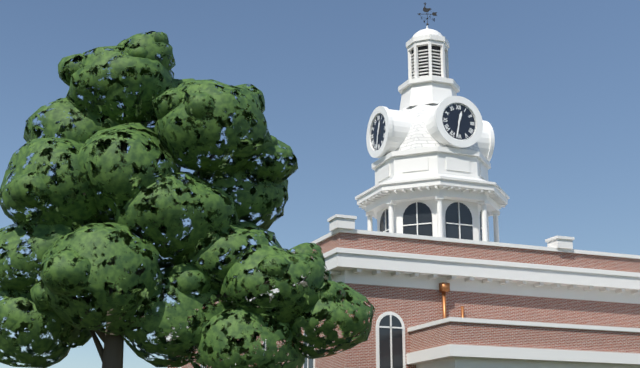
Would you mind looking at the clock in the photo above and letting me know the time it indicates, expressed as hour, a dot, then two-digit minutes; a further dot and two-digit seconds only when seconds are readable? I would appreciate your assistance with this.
12.32
